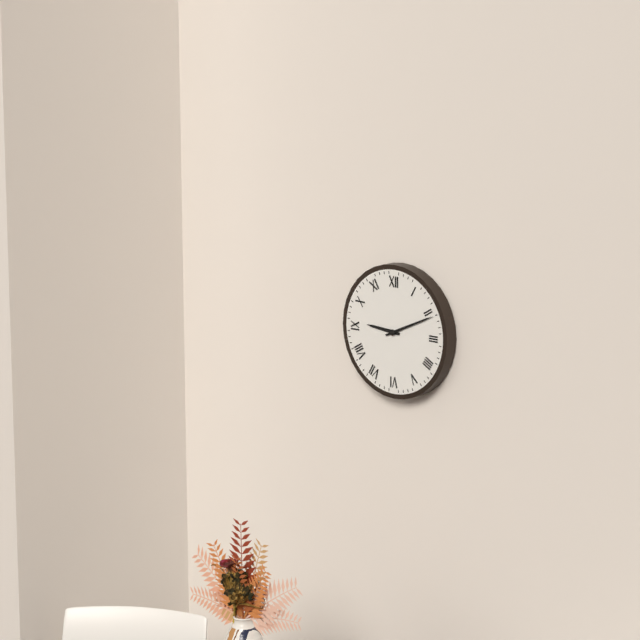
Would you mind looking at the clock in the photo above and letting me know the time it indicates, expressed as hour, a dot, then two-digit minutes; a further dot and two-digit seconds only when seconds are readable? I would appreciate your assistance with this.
9.11
